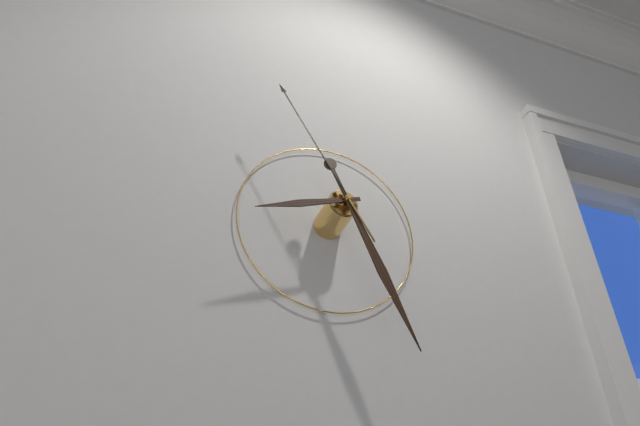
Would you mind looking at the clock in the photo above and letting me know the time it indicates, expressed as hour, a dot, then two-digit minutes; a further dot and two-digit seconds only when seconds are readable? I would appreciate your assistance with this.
8.26.55
